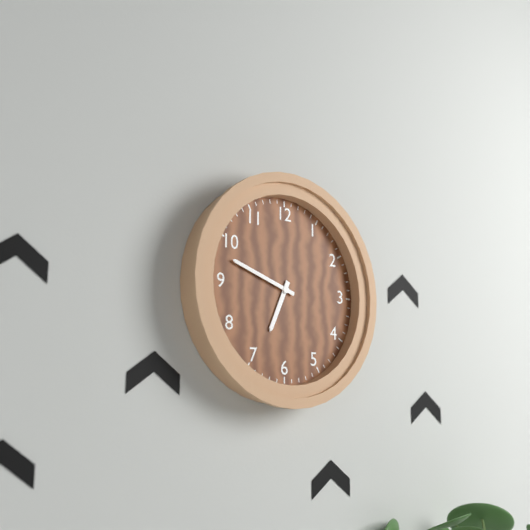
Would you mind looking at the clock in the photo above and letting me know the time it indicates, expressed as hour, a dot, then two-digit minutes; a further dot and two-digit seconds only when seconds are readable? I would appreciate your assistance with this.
6.48
